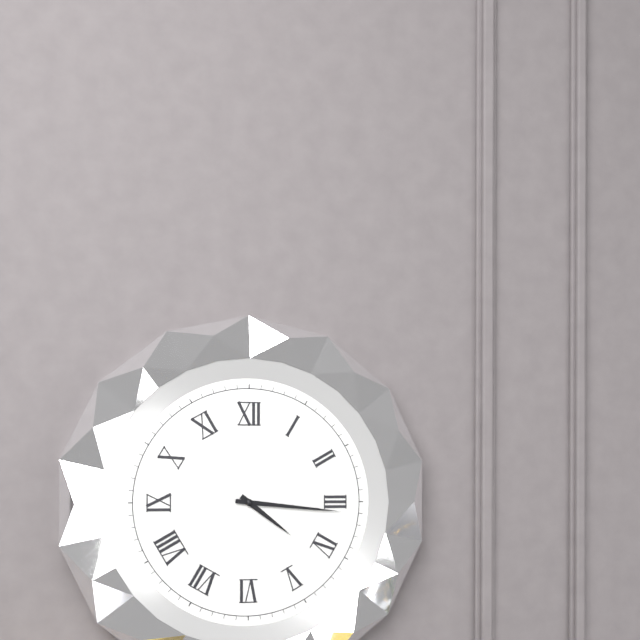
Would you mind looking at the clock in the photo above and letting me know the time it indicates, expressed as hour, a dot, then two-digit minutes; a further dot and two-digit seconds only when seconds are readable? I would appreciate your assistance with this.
4.16
